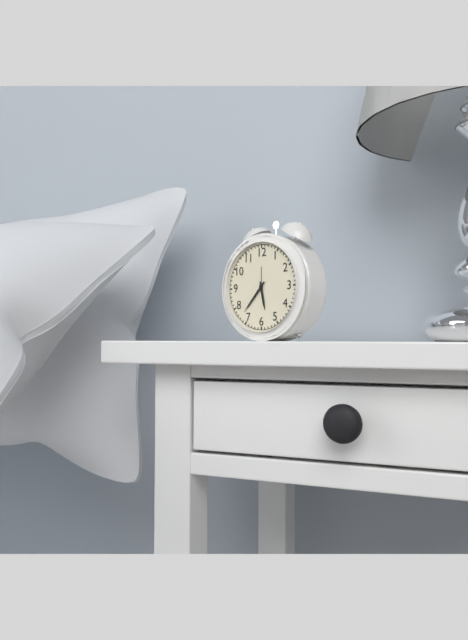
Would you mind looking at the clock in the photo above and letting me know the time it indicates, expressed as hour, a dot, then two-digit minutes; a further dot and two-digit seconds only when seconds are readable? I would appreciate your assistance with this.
5.37
